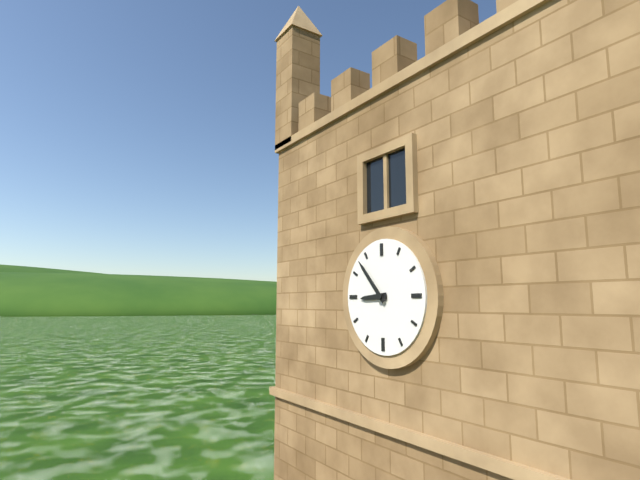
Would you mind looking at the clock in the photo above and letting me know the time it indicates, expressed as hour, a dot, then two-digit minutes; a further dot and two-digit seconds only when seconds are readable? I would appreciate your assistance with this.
8.53
